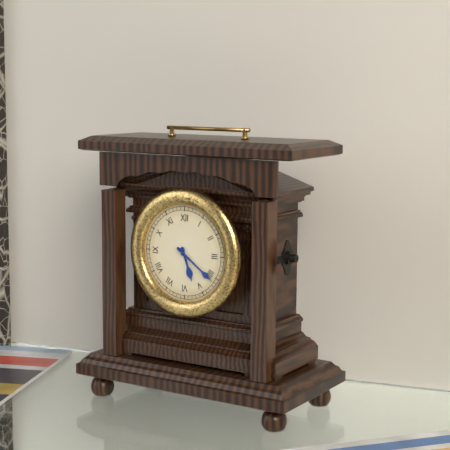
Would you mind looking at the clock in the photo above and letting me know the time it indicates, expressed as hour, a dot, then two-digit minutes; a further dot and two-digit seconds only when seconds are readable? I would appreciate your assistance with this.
5.21
